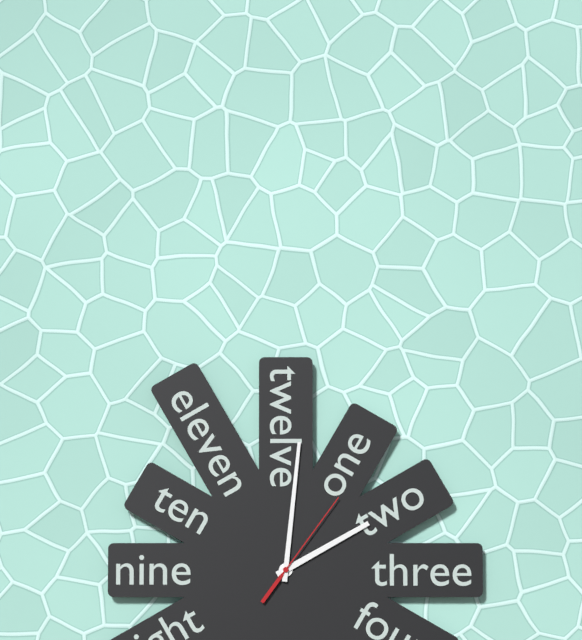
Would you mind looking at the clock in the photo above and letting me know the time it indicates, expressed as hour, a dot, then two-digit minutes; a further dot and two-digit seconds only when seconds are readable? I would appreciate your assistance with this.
2.01.06
